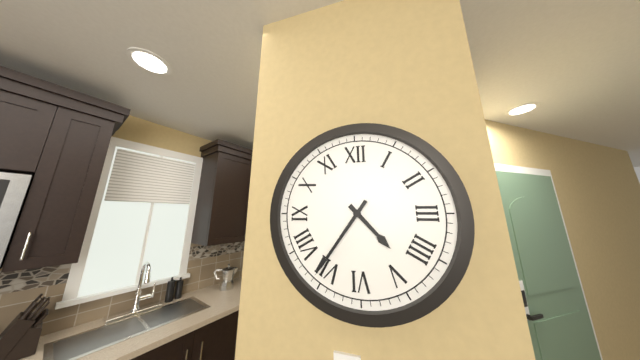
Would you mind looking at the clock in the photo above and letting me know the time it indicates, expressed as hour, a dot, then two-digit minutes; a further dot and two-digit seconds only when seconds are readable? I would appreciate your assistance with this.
4.36
